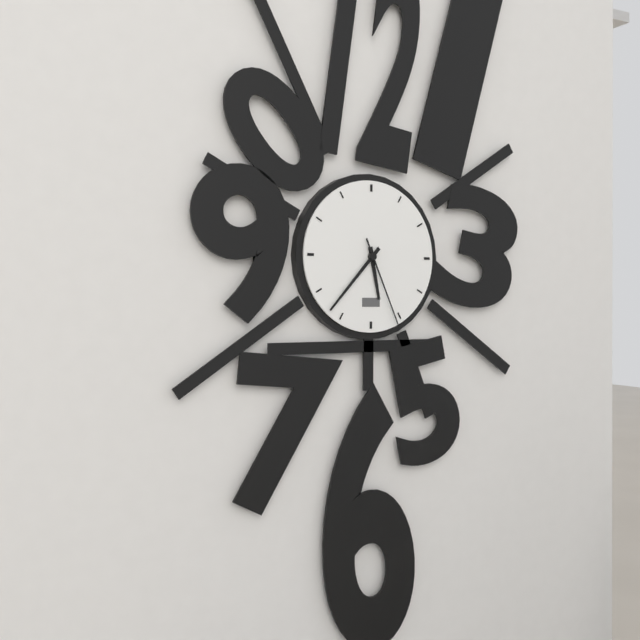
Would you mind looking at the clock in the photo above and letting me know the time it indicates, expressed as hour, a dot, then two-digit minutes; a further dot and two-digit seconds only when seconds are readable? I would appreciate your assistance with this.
5.37.26
